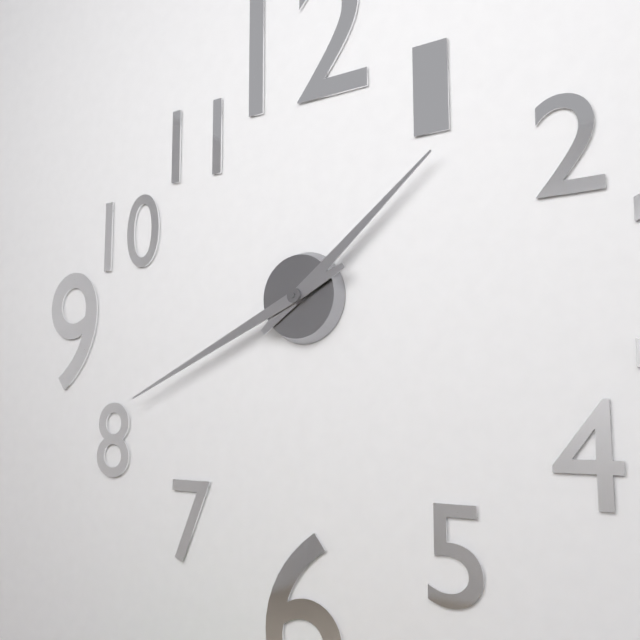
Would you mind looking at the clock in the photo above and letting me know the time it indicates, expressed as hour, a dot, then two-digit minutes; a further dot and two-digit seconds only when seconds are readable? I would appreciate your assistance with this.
1.41
